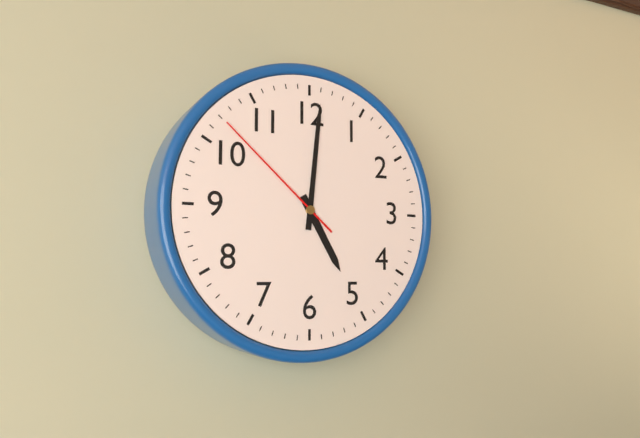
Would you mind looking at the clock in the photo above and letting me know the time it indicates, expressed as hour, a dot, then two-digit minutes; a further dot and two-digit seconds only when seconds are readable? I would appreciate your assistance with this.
5.01.52
